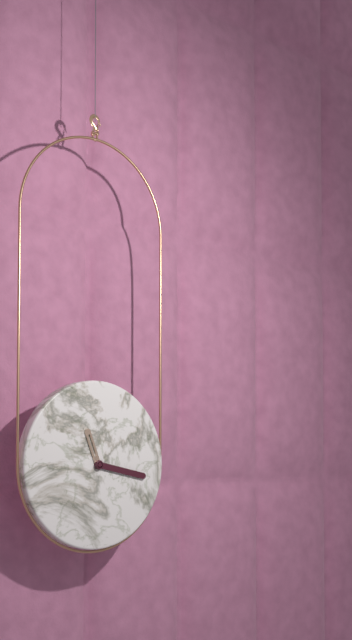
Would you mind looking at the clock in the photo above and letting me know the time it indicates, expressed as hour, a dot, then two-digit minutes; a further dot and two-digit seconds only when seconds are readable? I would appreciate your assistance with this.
11.17
